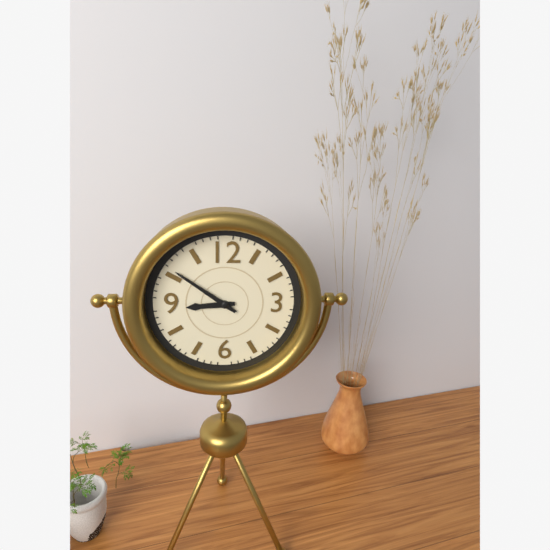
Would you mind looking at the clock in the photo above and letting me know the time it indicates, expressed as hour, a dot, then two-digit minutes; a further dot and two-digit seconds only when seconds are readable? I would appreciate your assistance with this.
8.51
